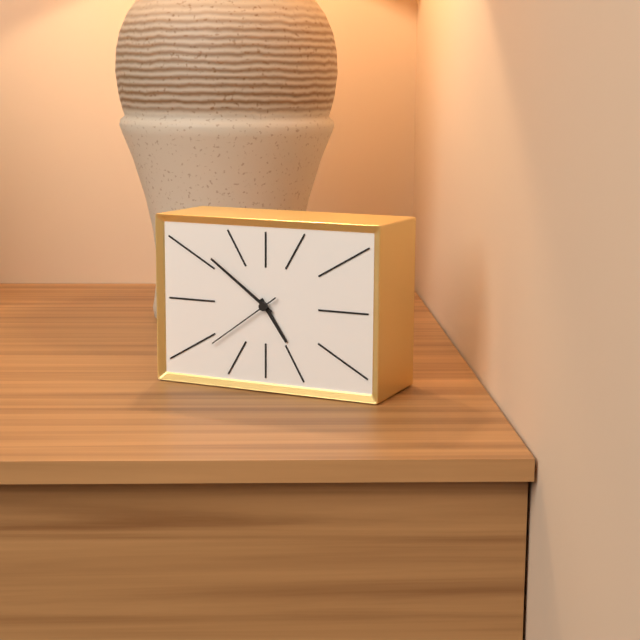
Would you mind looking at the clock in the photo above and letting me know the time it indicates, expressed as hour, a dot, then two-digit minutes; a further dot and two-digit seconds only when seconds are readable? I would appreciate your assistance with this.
4.51.39
